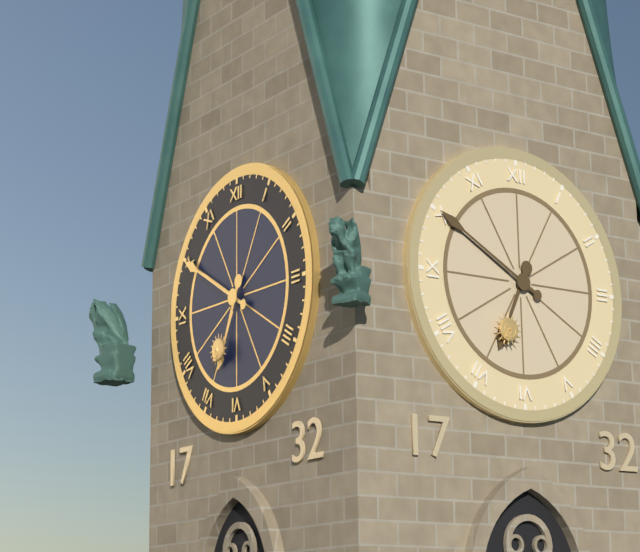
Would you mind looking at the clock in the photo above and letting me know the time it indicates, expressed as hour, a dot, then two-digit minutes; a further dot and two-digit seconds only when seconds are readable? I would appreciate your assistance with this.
6.50
